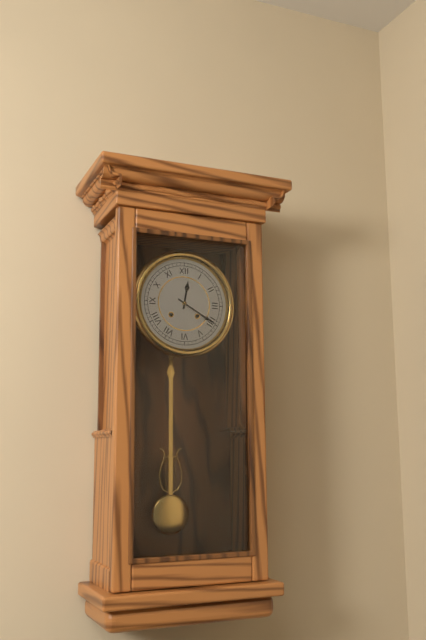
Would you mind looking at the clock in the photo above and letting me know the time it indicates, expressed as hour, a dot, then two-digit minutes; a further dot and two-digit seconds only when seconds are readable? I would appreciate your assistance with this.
12.20
